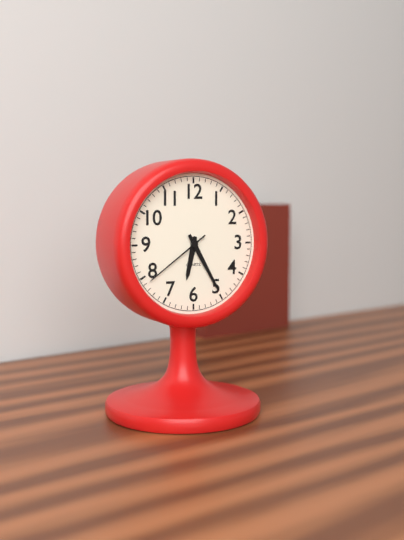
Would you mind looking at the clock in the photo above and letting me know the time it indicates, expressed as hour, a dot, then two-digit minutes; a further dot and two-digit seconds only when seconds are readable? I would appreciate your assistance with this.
6.25.39
